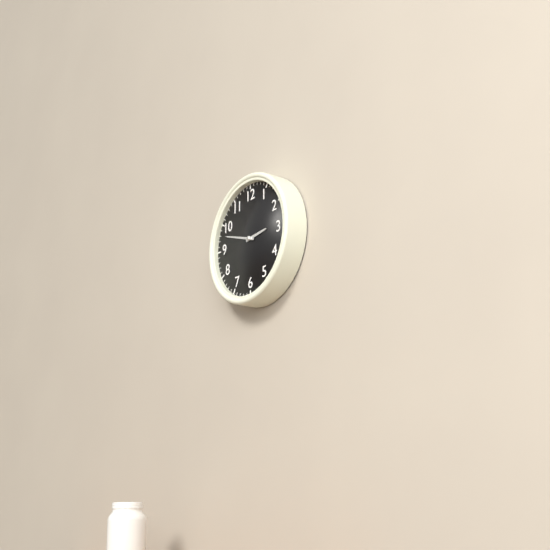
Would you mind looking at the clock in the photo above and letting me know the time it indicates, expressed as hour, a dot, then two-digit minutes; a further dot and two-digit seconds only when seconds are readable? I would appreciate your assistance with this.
2.48
